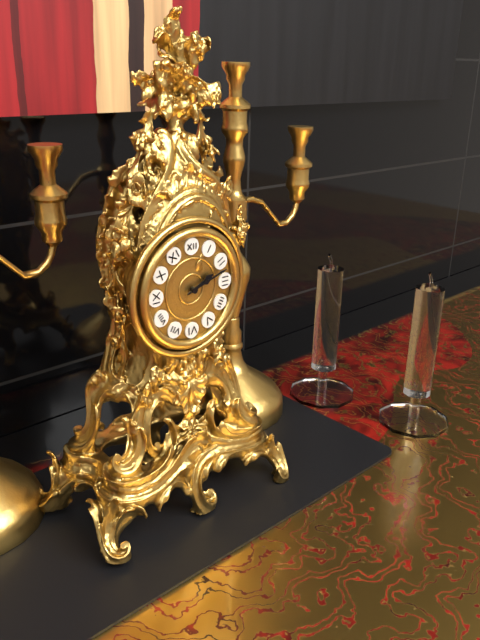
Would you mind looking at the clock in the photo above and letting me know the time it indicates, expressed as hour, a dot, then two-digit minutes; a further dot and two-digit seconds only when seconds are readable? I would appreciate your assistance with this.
2.12
